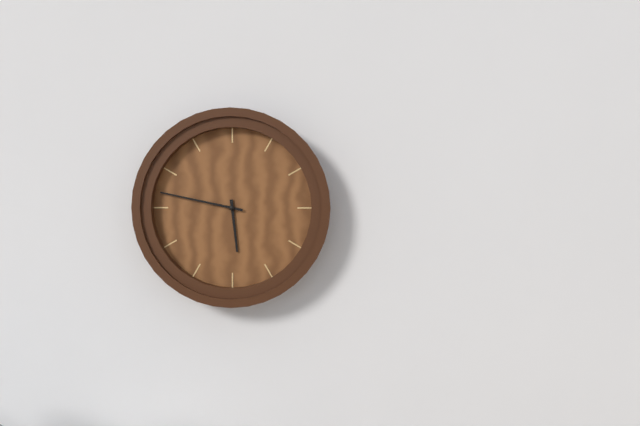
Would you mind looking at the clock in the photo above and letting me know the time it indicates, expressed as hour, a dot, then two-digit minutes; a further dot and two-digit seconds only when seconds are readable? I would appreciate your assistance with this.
5.47
